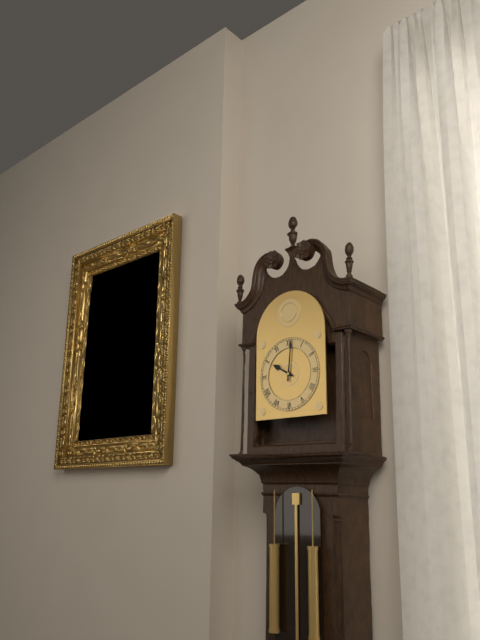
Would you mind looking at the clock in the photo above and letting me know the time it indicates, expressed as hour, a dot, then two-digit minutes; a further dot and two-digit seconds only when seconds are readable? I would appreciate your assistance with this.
10.01
